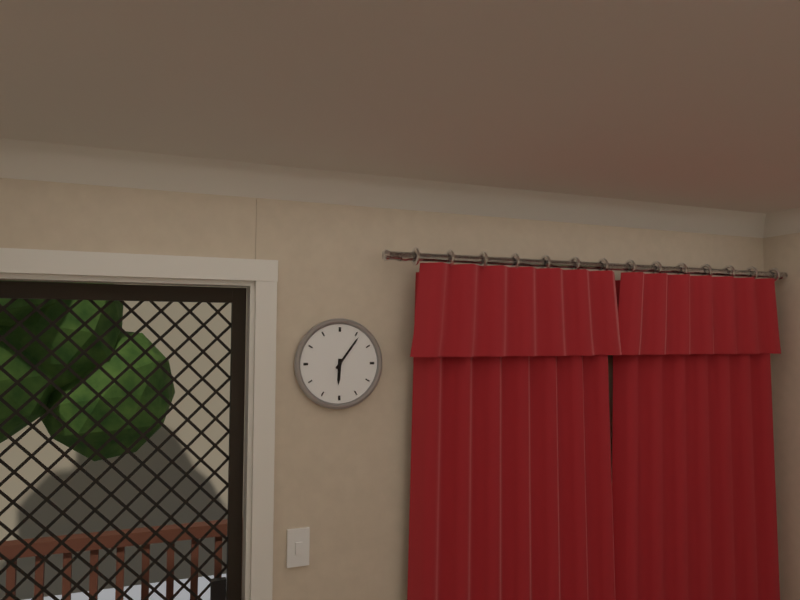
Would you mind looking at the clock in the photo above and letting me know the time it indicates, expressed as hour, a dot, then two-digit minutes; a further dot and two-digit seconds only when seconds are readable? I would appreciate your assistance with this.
6.06
